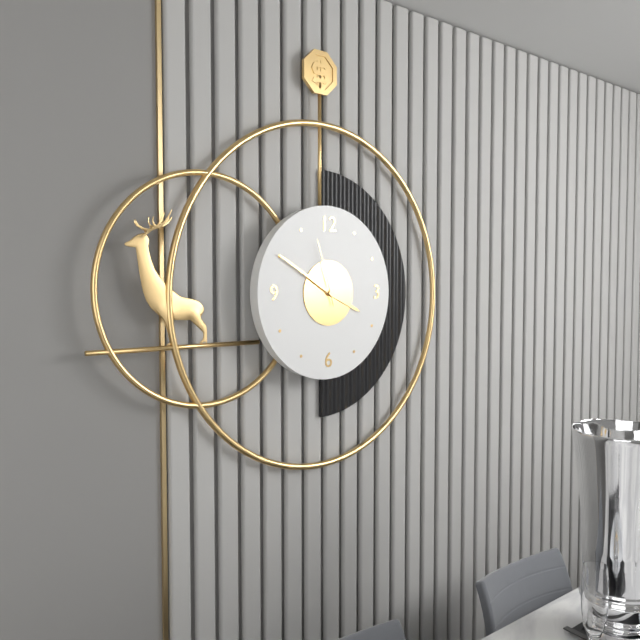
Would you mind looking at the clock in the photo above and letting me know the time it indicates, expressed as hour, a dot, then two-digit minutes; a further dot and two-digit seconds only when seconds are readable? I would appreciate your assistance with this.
3.50.57
